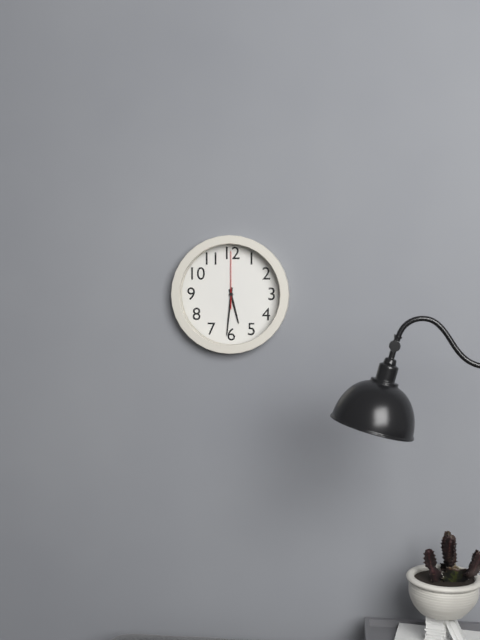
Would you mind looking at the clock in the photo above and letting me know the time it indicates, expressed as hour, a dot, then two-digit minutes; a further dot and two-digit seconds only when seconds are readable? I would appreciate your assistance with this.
5.31.00
